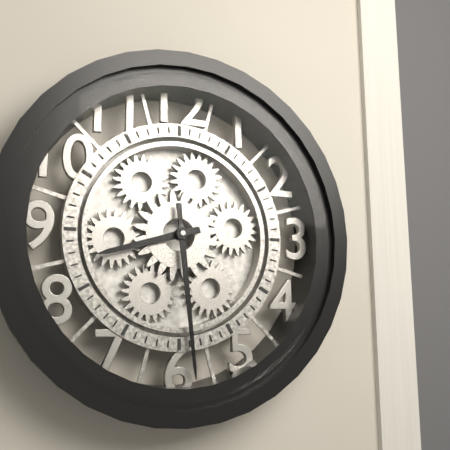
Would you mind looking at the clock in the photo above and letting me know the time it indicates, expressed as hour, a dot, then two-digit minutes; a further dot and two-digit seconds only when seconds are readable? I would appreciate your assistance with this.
8.29
